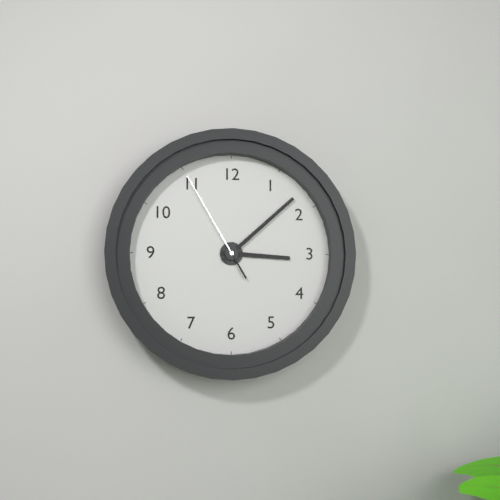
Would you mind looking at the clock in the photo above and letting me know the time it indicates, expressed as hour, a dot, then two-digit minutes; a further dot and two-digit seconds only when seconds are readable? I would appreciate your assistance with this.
3.08.55
